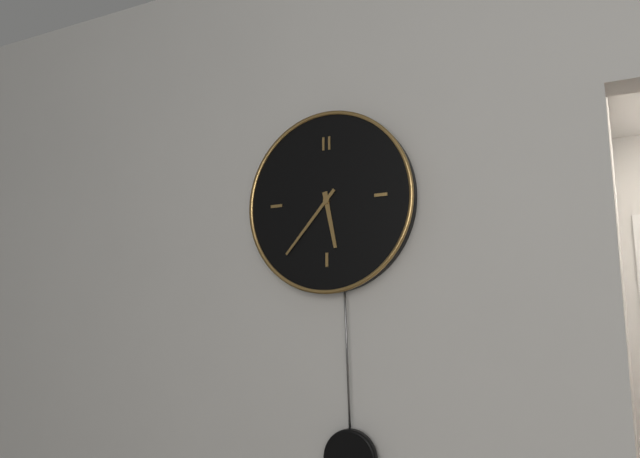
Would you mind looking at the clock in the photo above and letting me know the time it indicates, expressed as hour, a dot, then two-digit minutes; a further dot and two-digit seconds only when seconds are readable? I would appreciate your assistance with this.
5.37
